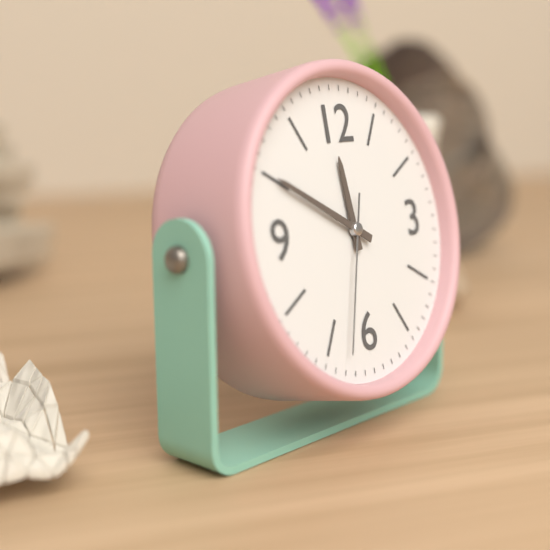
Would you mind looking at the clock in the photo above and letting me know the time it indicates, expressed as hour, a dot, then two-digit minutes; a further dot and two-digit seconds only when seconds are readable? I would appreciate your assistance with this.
11.50.33
